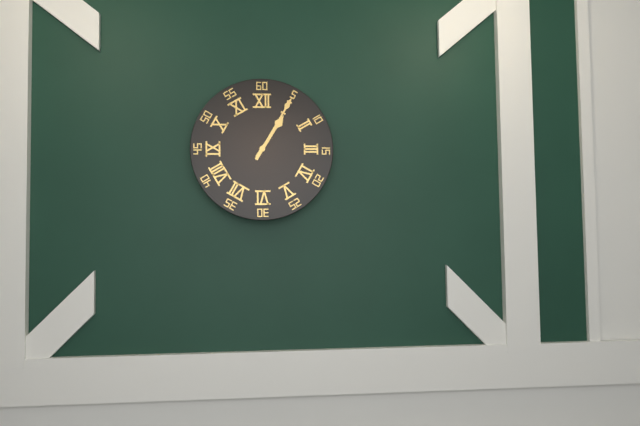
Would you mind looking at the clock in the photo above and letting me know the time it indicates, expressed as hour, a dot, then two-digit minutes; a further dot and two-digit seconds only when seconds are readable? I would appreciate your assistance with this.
1.05
